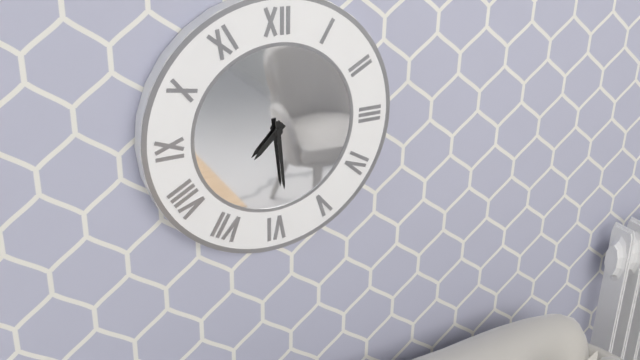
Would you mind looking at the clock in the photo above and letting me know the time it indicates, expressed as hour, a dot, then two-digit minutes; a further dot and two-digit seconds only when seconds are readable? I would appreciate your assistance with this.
7.29
